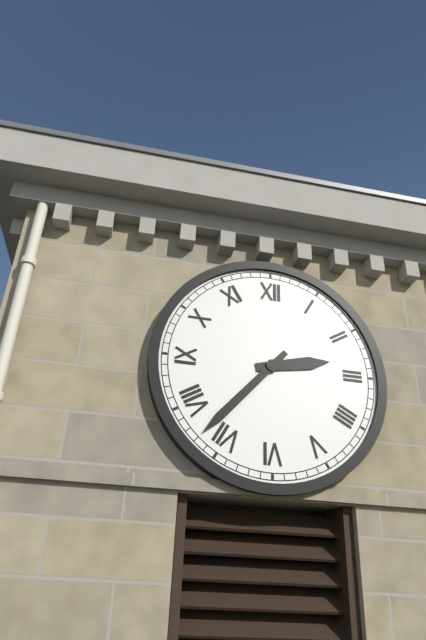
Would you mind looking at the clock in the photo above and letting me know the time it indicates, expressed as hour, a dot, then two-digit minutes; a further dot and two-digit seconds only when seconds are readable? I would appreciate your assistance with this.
2.37
